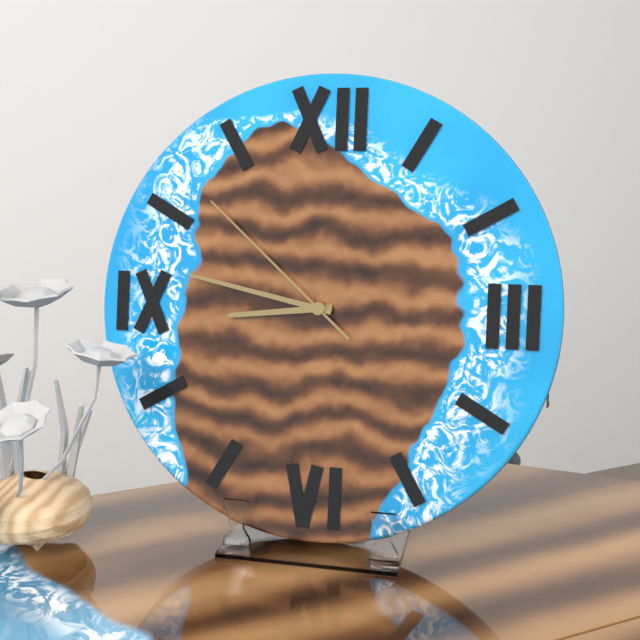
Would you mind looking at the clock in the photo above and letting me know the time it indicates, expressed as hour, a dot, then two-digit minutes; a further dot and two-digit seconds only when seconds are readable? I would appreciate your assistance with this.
8.47.52
